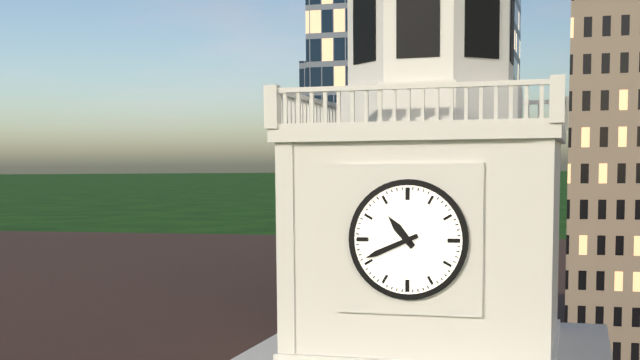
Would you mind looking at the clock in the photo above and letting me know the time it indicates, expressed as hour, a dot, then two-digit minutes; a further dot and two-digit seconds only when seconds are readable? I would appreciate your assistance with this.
10.41
